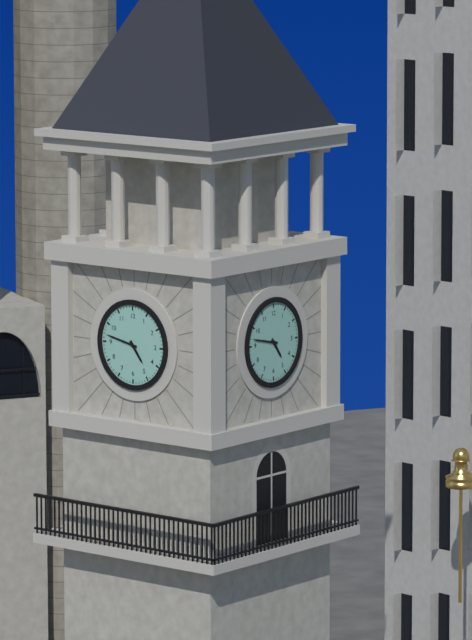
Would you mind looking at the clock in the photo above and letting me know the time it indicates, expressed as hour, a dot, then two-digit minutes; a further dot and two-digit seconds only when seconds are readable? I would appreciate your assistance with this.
4.47
